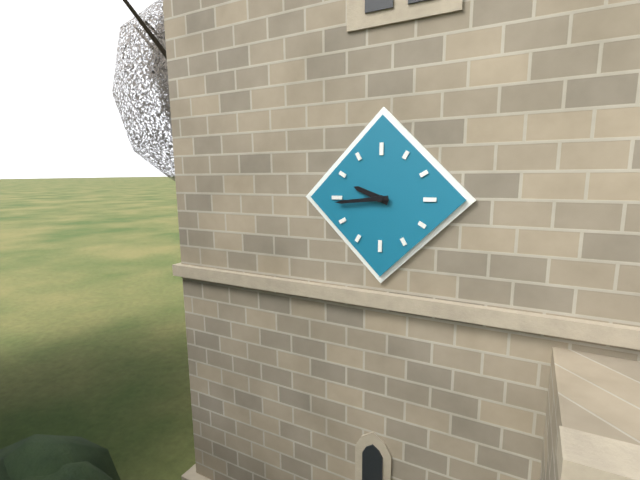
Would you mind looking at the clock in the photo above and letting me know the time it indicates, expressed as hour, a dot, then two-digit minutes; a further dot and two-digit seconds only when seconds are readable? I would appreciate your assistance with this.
9.44
